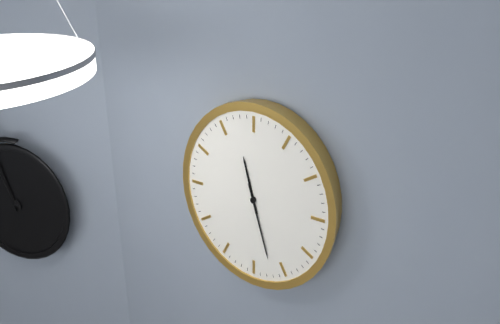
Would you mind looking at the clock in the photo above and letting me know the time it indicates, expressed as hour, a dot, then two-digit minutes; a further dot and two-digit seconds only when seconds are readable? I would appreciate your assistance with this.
11.27
